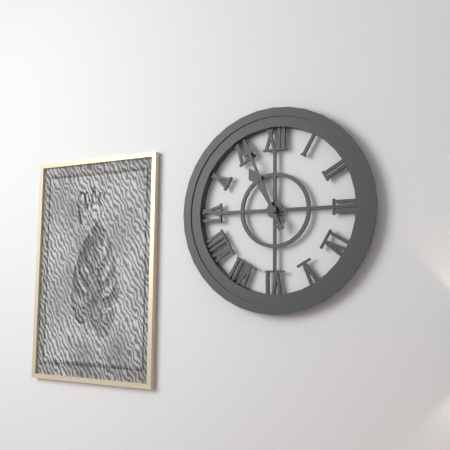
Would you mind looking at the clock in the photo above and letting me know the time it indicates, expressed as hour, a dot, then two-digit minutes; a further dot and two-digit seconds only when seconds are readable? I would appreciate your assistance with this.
10.56
